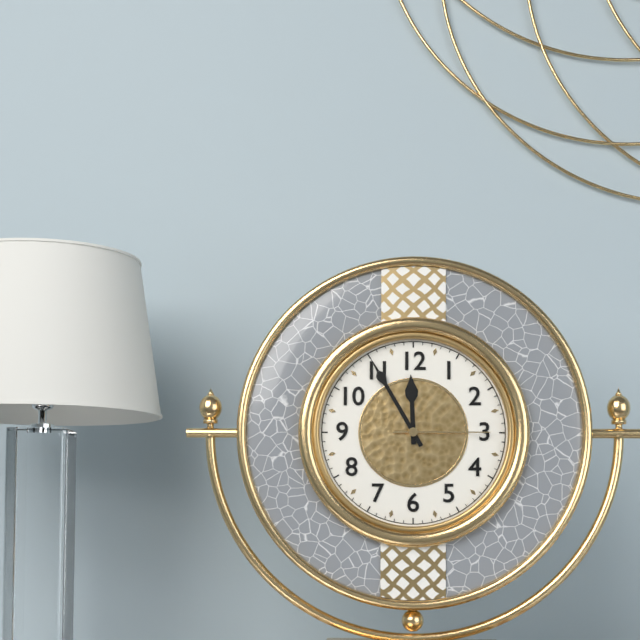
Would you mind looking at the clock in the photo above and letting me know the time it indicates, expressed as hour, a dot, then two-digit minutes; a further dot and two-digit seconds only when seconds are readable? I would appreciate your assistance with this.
11.55.15
